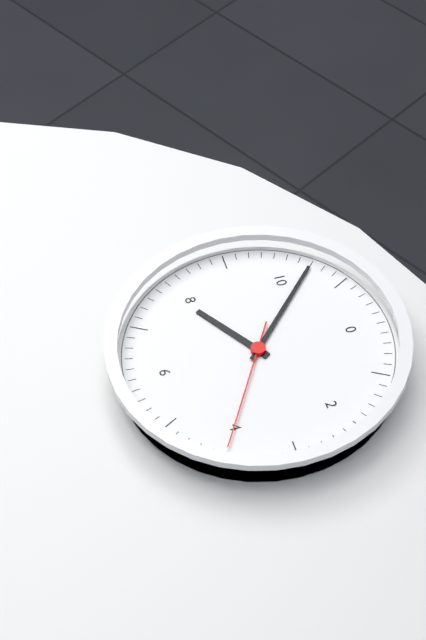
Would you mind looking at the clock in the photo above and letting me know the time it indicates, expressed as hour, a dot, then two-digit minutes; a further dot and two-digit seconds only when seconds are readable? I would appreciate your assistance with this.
7.52.20
